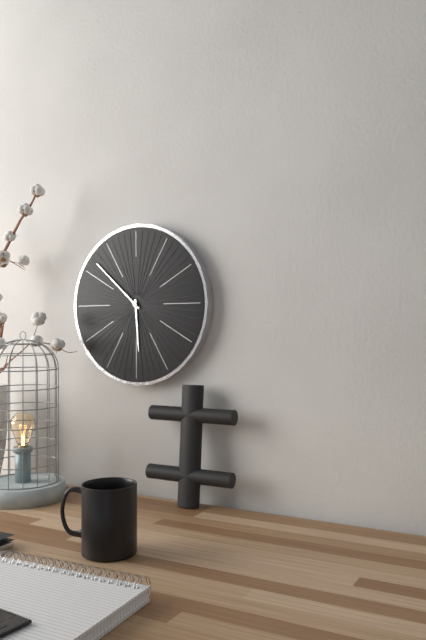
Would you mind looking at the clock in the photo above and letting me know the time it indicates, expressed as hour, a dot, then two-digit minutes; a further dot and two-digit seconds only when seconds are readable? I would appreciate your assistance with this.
5.52
